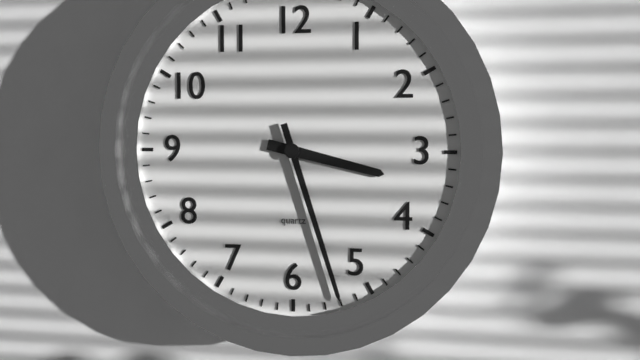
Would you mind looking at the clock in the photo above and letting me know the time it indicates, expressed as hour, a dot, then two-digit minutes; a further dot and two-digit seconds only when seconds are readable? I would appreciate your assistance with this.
3.27
